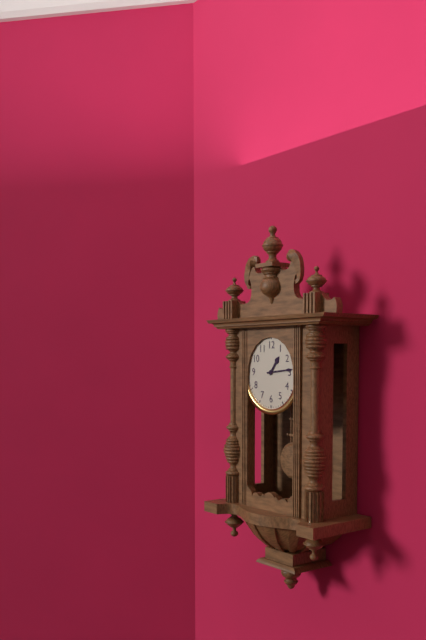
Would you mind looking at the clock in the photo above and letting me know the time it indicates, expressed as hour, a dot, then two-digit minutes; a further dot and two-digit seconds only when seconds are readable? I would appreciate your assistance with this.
1.14
